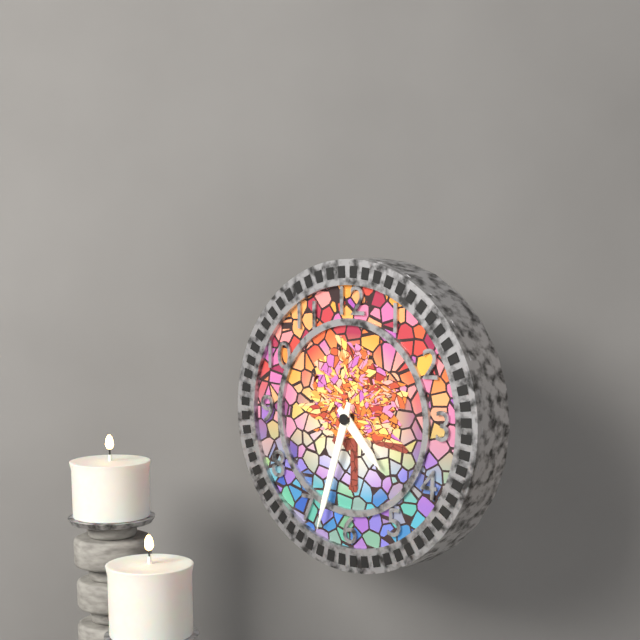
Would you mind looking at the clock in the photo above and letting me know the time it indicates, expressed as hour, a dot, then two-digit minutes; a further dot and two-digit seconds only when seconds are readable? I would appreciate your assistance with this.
4.33
